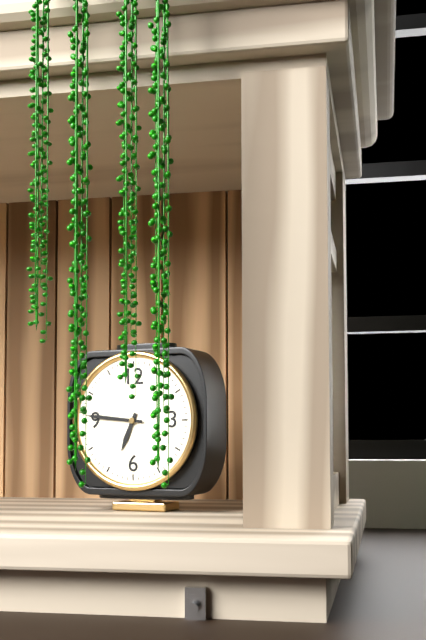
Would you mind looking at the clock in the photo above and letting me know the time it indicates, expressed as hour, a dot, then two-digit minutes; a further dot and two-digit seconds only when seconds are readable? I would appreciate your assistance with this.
6.46
